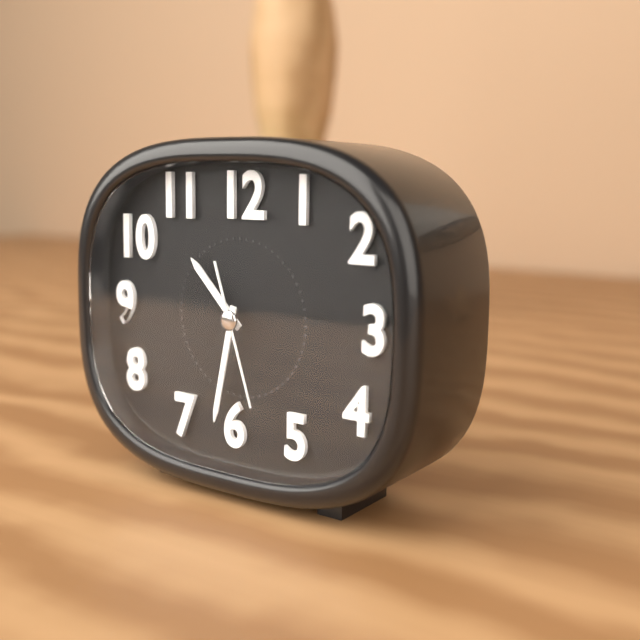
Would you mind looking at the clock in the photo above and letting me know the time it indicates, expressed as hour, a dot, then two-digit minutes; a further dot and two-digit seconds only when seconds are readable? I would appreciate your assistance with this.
10.32.27
